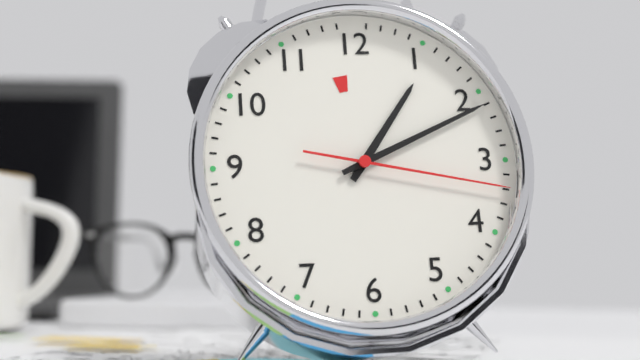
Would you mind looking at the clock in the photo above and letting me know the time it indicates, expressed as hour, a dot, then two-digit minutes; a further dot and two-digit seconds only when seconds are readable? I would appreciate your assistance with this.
1.11.17
